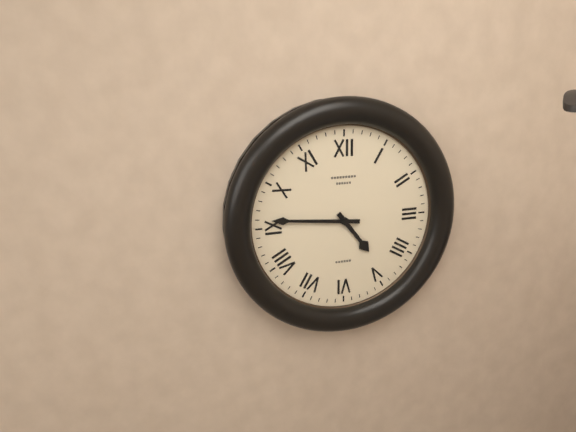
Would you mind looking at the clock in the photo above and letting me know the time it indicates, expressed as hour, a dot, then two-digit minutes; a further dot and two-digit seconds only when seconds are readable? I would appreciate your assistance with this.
4.46
